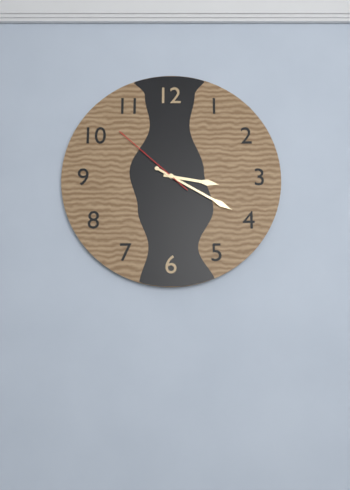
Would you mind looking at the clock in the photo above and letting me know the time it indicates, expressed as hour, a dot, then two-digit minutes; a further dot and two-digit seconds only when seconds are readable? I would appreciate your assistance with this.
3.20.52
